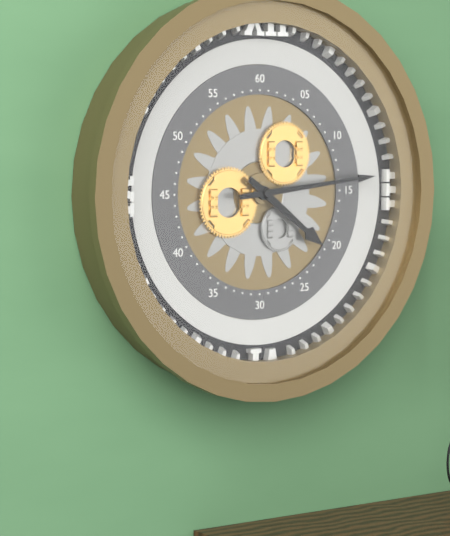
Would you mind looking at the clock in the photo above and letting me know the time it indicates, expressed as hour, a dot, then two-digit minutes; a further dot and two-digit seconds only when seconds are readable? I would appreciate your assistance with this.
4.14
